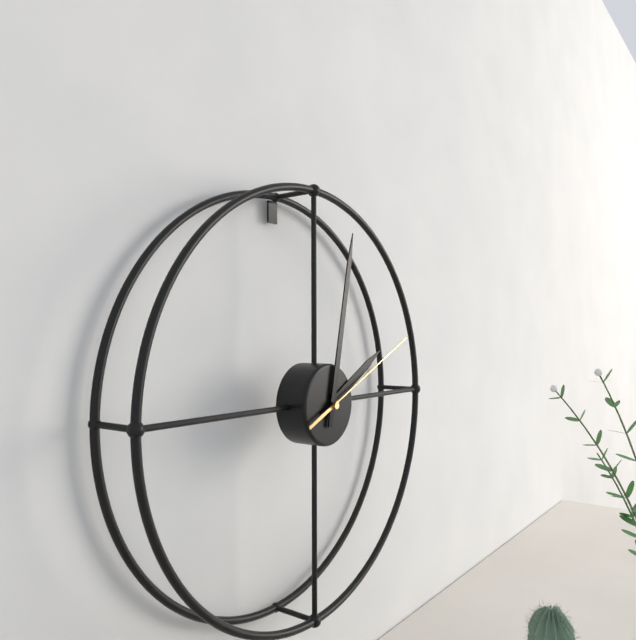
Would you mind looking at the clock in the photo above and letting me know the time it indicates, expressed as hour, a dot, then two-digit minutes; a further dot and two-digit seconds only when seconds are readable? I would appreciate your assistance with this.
2.02.11
